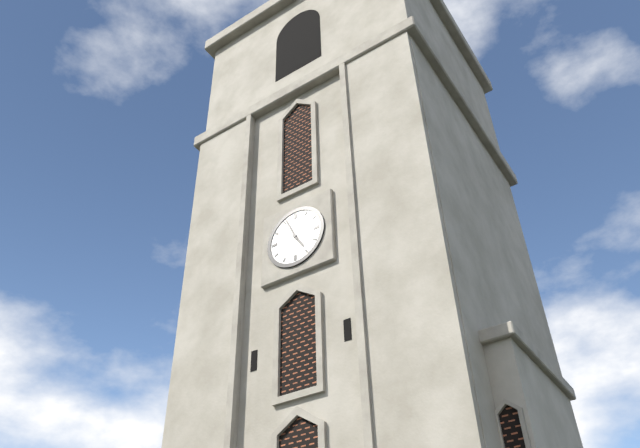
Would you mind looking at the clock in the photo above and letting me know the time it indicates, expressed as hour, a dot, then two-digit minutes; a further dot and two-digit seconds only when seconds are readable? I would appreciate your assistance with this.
4.56
